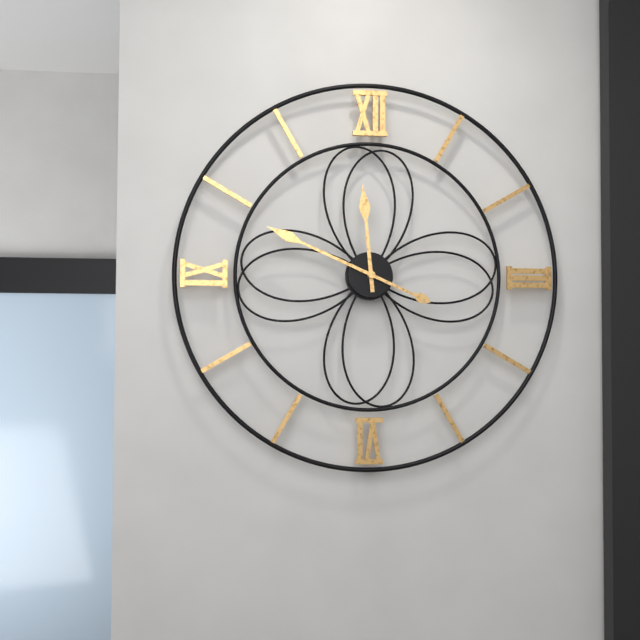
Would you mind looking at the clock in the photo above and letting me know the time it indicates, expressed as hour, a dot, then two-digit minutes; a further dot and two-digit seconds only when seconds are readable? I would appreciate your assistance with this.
11.49
